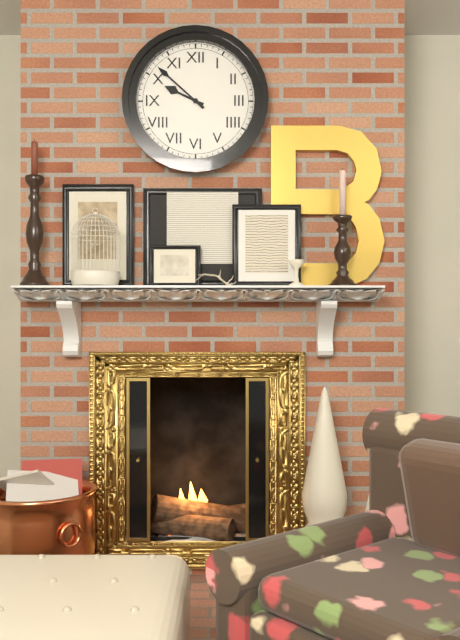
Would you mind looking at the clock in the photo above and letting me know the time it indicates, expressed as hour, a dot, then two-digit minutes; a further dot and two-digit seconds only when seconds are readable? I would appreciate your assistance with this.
9.52
